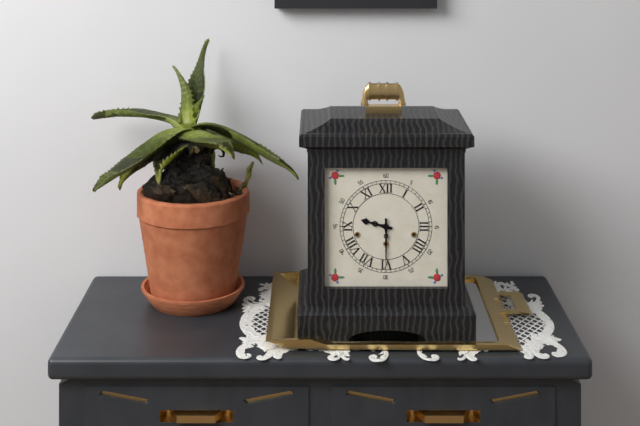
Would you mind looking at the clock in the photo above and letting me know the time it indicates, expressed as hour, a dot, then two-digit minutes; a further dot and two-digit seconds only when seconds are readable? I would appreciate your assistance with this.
9.30
